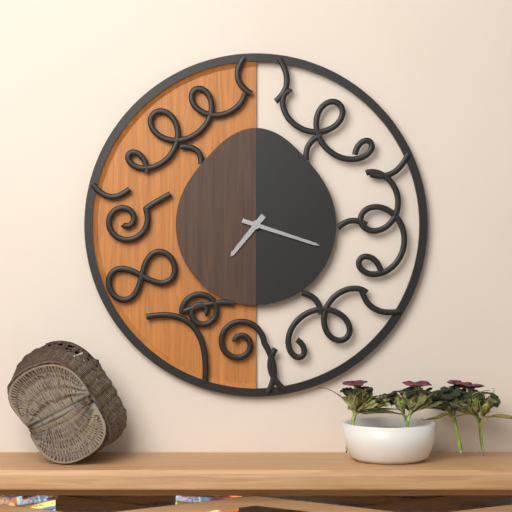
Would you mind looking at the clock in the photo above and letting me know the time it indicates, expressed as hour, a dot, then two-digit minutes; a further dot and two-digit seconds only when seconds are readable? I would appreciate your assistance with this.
7.18
